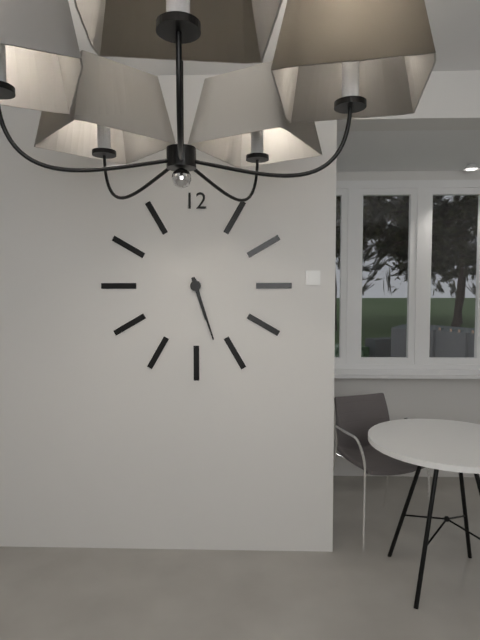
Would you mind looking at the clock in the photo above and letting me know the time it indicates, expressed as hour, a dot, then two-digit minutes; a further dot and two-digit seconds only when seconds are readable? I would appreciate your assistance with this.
5.27
